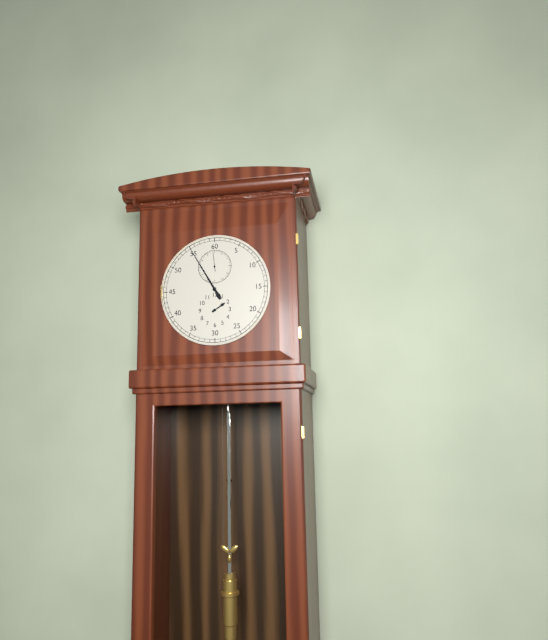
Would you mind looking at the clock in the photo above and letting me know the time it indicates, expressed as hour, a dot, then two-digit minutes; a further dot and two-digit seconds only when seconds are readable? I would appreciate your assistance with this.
1.55
